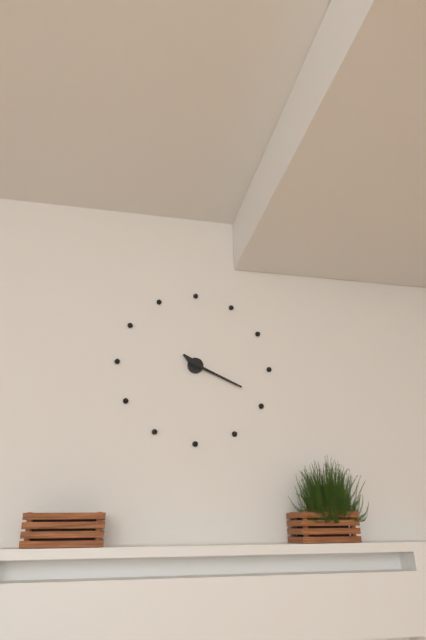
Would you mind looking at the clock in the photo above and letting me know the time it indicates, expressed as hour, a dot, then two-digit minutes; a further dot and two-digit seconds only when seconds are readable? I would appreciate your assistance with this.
10.19
